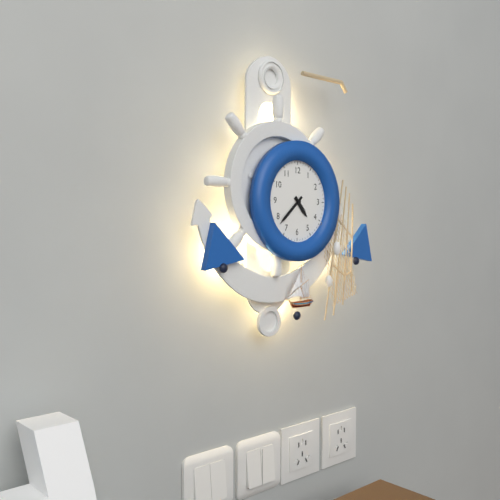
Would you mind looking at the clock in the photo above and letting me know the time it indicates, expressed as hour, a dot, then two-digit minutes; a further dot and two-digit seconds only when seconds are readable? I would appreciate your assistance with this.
4.38
